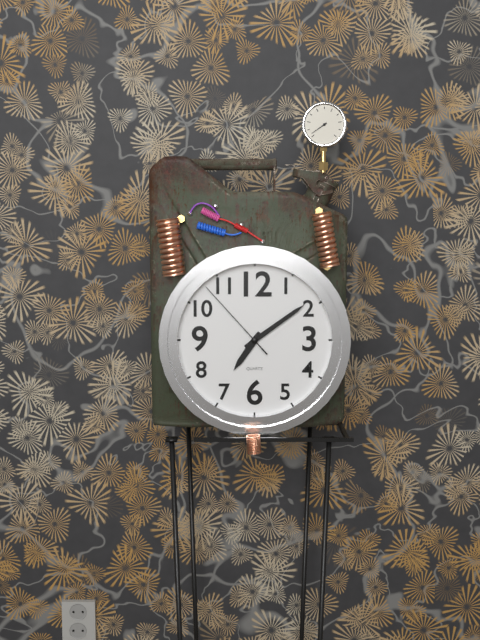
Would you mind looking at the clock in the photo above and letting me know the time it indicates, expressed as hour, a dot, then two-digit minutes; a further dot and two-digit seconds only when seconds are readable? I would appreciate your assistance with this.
7.09.53
